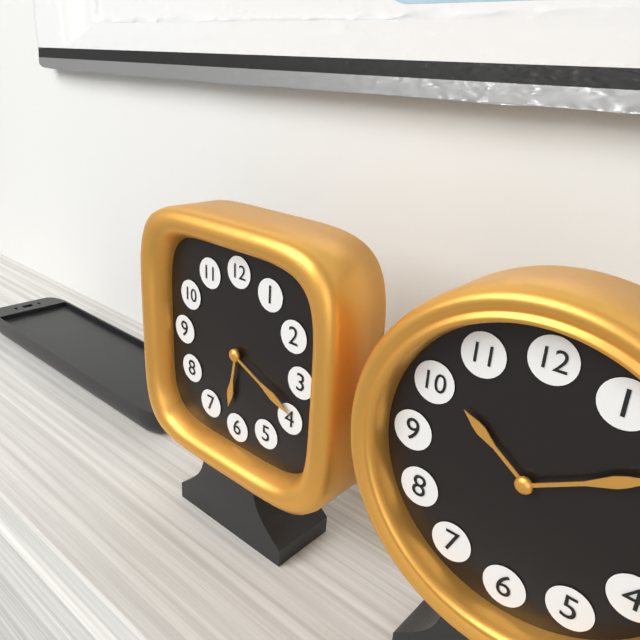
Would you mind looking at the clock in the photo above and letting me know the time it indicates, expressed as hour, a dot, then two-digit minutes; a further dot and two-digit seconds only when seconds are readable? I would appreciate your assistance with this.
6.19
